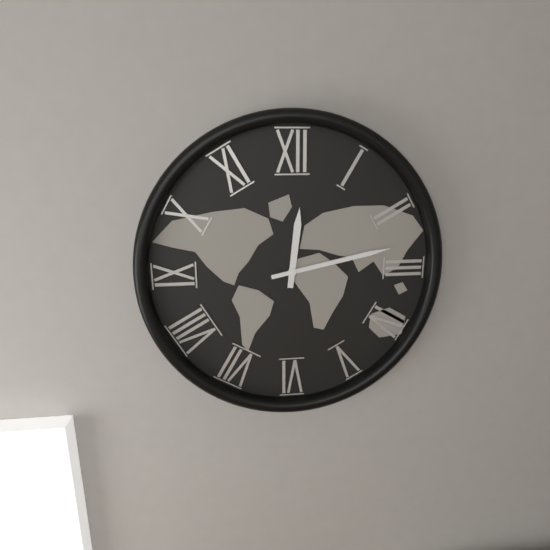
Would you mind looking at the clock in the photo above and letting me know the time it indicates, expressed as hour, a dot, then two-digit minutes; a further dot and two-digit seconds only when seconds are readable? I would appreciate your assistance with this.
12.13
